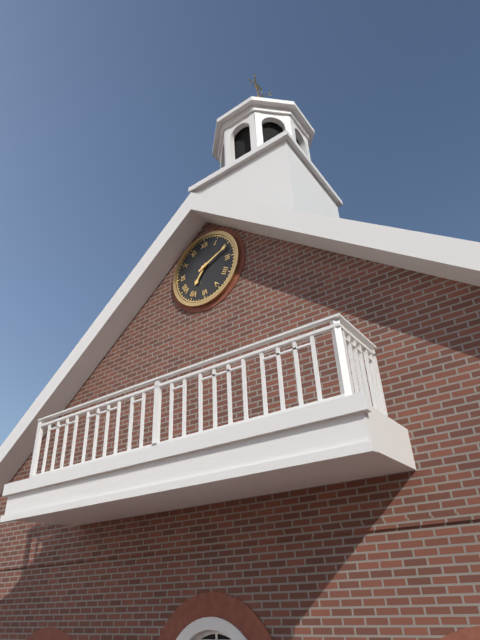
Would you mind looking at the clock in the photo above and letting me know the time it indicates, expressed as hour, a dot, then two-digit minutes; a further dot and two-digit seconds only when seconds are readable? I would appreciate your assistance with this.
7.11
